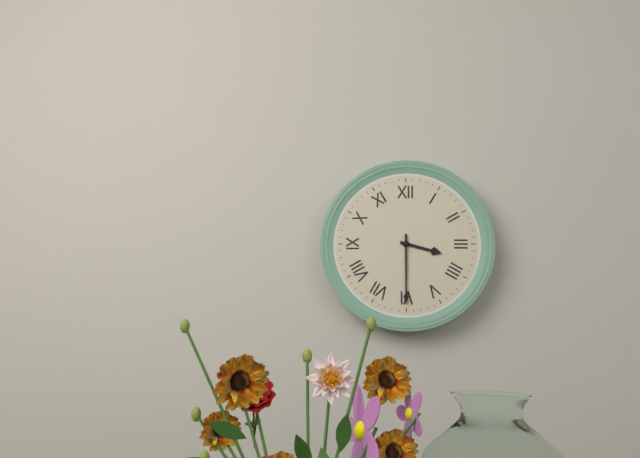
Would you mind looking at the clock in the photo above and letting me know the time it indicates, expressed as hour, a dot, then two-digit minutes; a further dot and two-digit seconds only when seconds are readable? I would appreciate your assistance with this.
3.30
